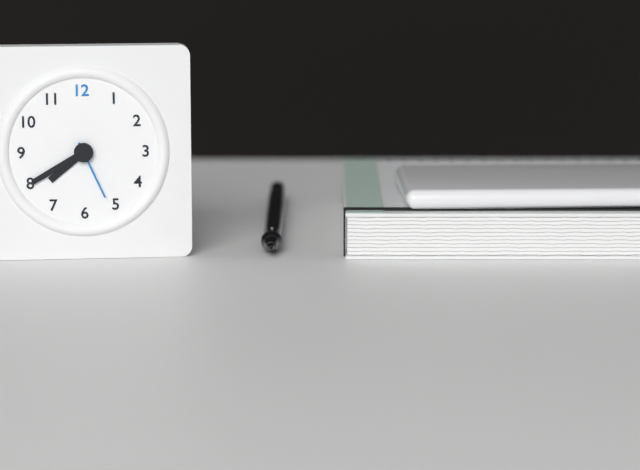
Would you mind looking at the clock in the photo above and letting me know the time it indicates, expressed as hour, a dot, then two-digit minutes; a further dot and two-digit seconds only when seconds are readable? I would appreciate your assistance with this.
7.40.26
